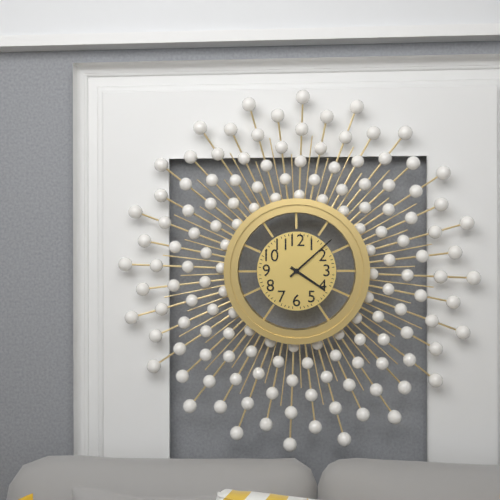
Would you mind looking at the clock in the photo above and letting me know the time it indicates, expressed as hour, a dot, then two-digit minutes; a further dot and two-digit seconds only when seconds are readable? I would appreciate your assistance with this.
4.08
